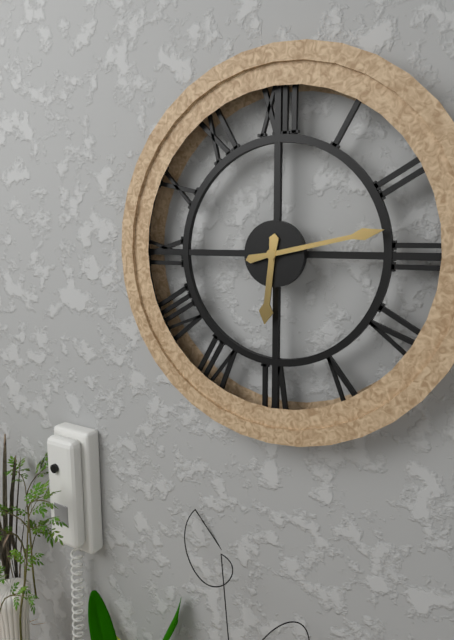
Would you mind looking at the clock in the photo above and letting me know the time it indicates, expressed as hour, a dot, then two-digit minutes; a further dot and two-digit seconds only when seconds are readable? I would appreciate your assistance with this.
6.13
